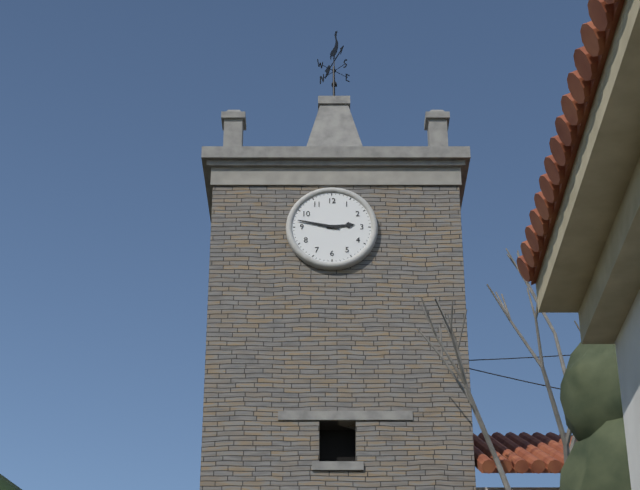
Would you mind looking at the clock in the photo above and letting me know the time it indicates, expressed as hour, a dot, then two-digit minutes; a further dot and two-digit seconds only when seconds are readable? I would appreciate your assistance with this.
2.47
